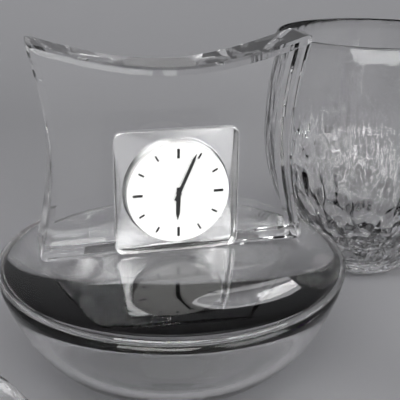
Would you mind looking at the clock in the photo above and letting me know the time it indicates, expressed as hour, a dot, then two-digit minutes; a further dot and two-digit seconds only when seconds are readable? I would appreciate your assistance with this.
6.04
